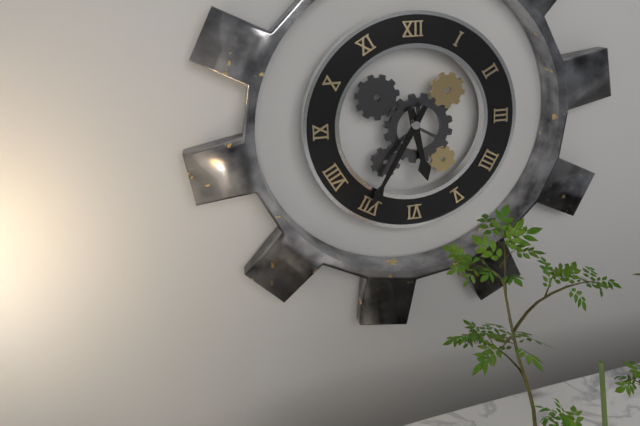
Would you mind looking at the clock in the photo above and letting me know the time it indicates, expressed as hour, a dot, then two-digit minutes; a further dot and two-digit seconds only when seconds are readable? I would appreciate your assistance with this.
5.35
